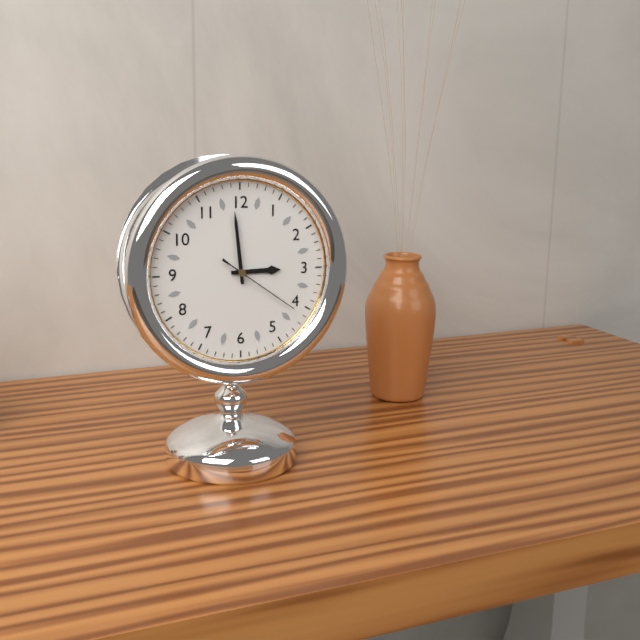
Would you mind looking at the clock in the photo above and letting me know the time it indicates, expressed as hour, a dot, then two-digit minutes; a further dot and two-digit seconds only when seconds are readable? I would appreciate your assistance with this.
2.59.21
